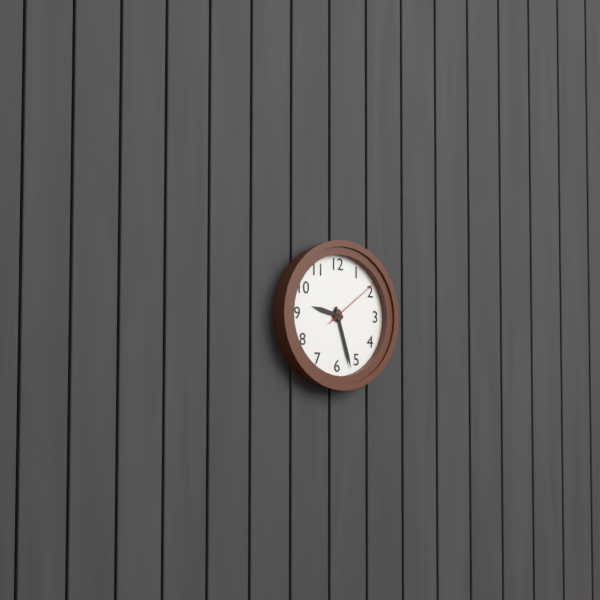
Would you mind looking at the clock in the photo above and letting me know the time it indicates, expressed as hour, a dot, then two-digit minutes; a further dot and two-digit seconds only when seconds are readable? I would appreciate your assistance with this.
9.27.09
